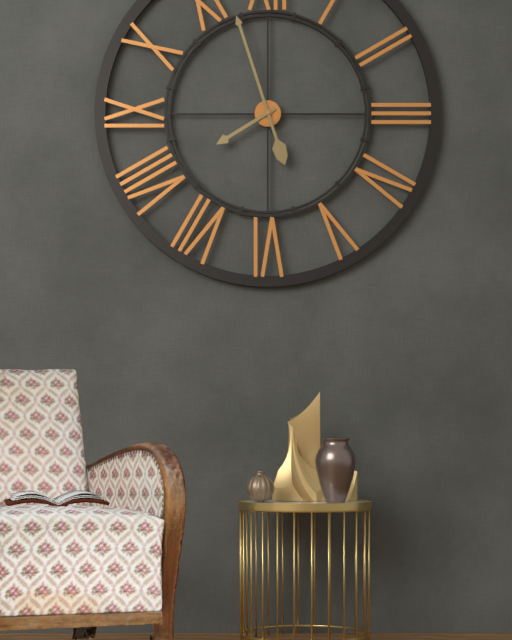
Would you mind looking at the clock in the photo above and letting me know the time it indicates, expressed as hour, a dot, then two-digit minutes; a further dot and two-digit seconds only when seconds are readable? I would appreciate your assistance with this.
7.57
